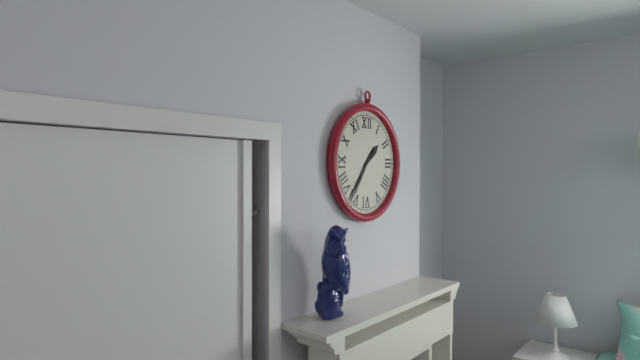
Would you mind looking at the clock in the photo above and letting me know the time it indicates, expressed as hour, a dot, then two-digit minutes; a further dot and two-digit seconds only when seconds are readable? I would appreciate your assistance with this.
1.36
